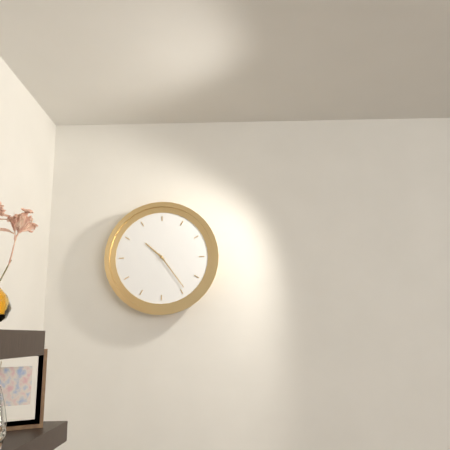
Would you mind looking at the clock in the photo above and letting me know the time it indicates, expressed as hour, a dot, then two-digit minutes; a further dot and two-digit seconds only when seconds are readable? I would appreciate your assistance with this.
10.24
